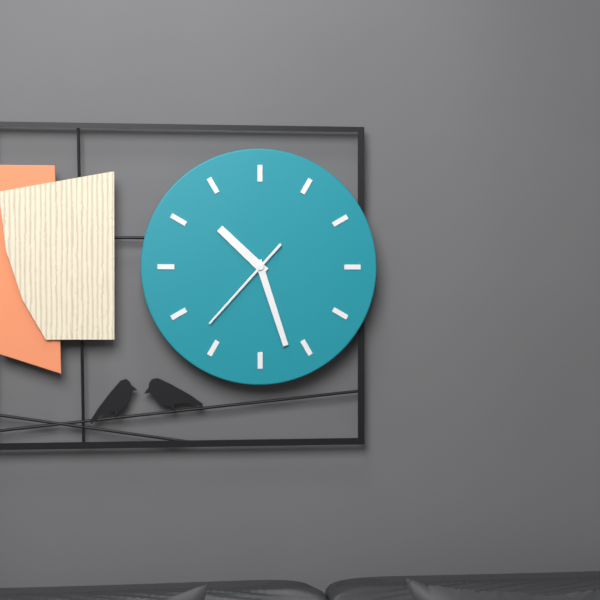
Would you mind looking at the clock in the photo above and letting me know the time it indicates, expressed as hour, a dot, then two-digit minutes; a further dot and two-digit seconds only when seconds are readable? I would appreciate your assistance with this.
10.27.37
